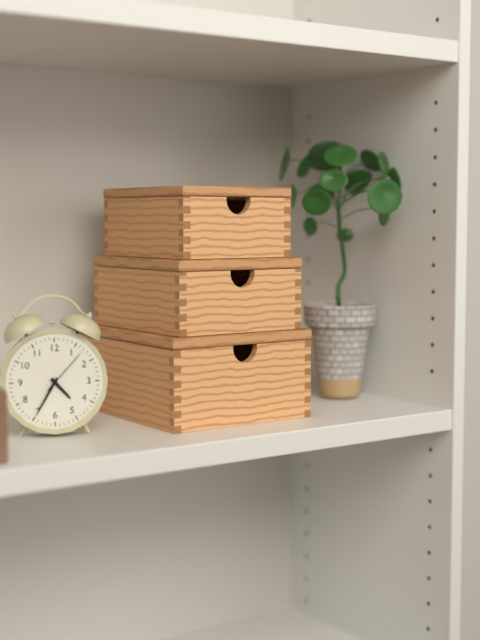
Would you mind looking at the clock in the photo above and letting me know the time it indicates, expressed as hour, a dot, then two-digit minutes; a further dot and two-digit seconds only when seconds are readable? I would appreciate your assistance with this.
4.35.07
